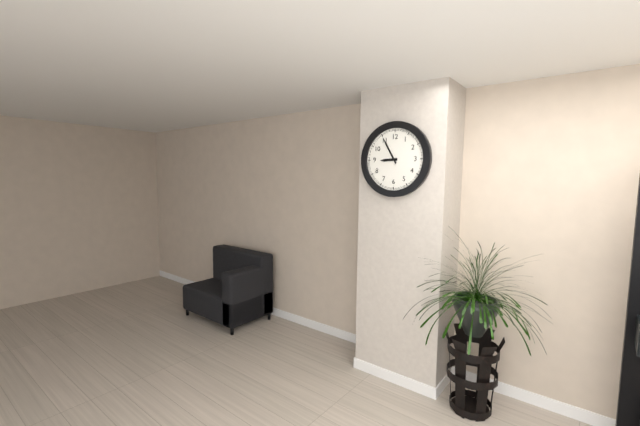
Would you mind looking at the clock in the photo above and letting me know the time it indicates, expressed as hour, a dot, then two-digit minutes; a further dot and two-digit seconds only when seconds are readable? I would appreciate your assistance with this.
8.55
